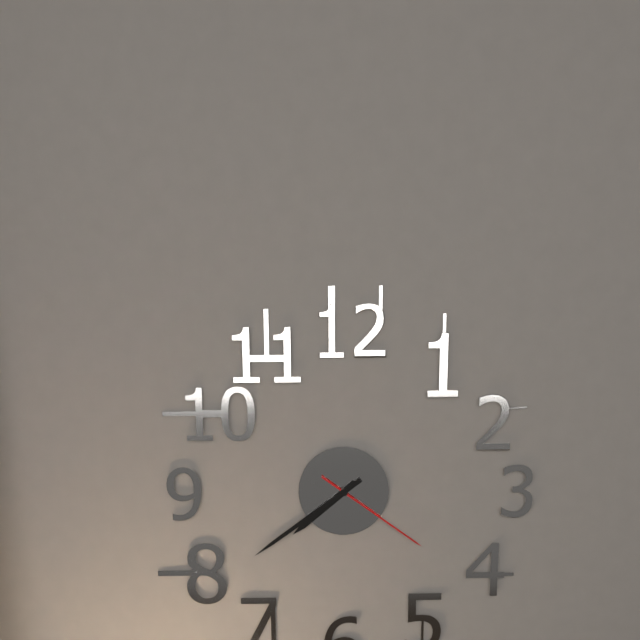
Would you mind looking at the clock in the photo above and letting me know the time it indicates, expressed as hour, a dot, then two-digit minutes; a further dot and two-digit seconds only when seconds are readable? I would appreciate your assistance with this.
7.39.21
